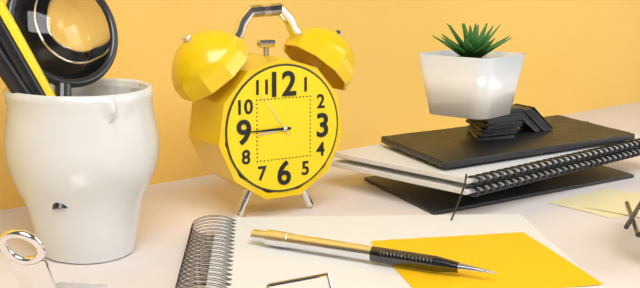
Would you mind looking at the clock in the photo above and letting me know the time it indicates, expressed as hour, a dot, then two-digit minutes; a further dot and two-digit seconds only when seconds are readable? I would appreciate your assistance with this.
8.45.54
